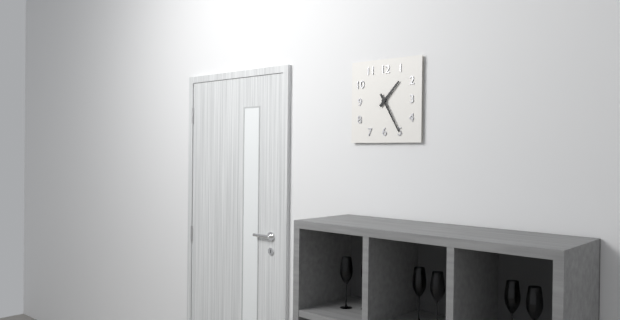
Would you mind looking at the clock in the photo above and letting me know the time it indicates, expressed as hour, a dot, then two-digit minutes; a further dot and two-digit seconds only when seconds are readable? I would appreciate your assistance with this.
1.25
